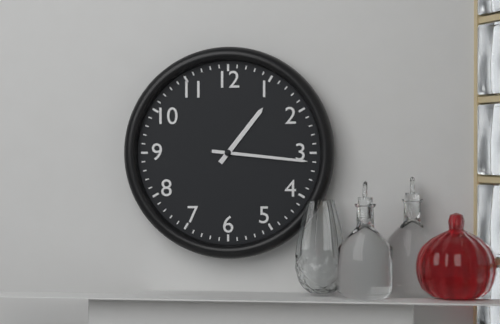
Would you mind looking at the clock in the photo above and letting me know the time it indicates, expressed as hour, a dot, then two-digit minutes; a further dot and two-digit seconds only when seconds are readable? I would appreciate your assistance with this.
1.16
